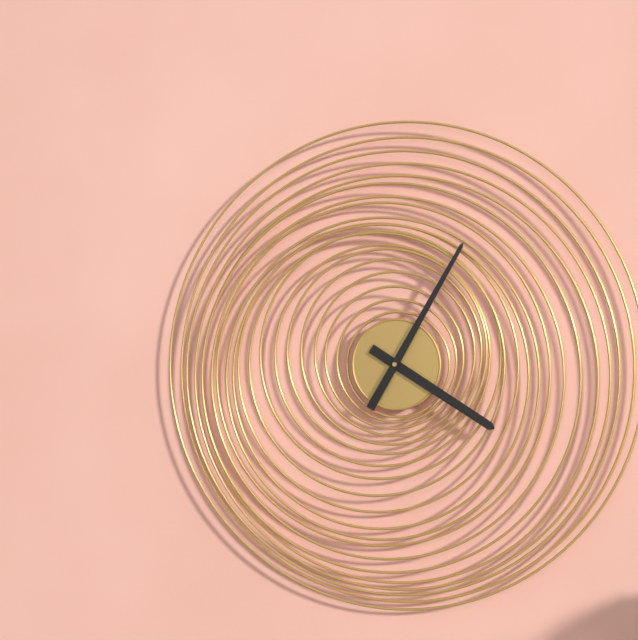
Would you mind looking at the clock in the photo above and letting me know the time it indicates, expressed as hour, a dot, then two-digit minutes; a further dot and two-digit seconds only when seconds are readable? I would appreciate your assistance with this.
4.05
